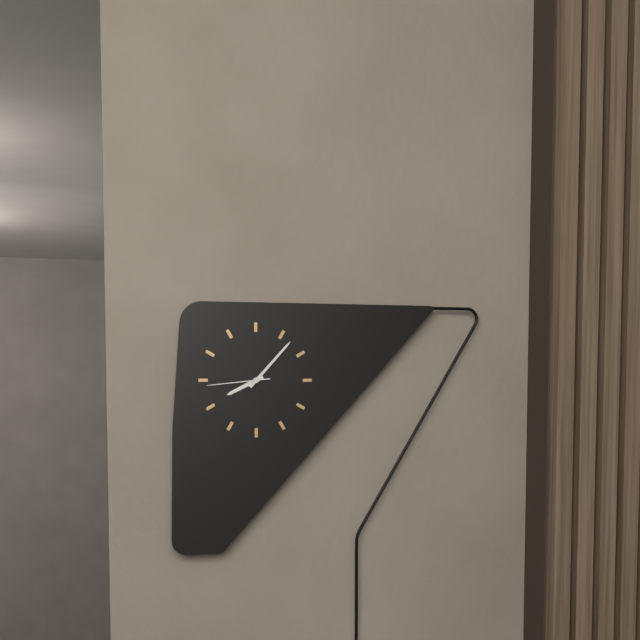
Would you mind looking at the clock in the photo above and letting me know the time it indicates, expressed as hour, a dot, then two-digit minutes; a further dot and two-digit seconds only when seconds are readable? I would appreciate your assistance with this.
8.07.44
